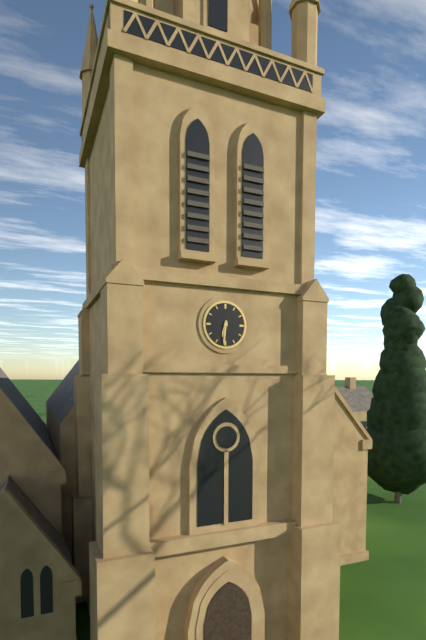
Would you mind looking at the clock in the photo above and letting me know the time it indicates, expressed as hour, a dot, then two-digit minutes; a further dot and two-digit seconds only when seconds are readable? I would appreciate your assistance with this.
6.31
